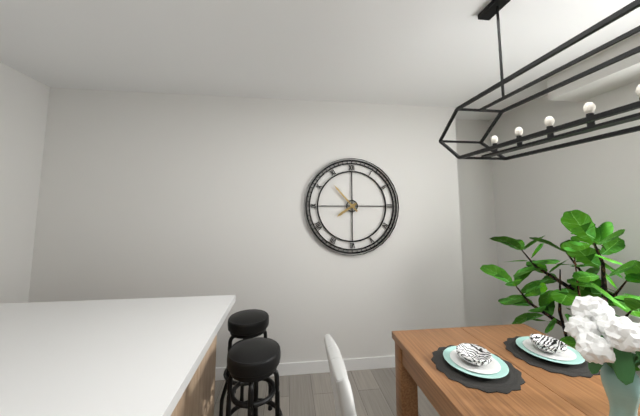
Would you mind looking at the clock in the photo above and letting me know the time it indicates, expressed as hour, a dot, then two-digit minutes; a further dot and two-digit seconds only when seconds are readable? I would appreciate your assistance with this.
7.53
